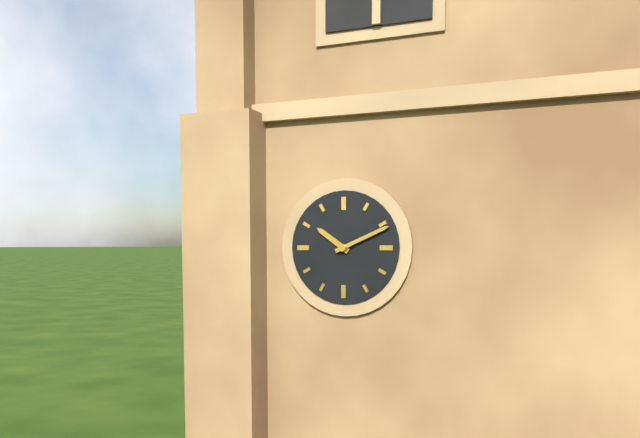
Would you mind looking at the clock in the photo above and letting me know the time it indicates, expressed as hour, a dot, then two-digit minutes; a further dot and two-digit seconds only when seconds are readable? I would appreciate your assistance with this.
10.11
